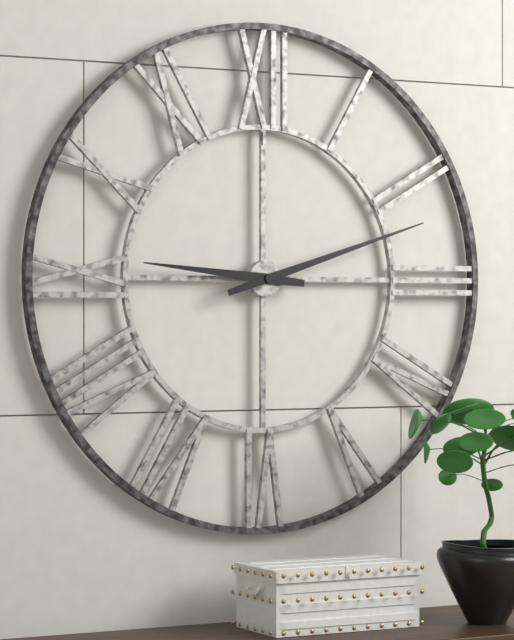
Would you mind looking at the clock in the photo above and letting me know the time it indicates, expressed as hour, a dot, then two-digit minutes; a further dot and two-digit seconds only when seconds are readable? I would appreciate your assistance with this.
9.12
